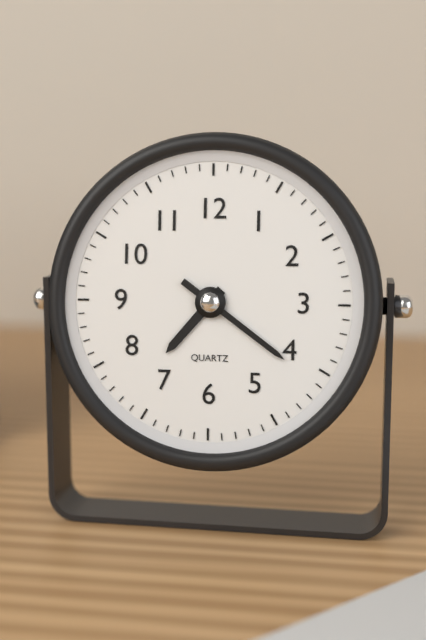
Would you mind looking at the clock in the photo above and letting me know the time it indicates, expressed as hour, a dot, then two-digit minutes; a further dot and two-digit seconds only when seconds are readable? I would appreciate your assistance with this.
7.21
